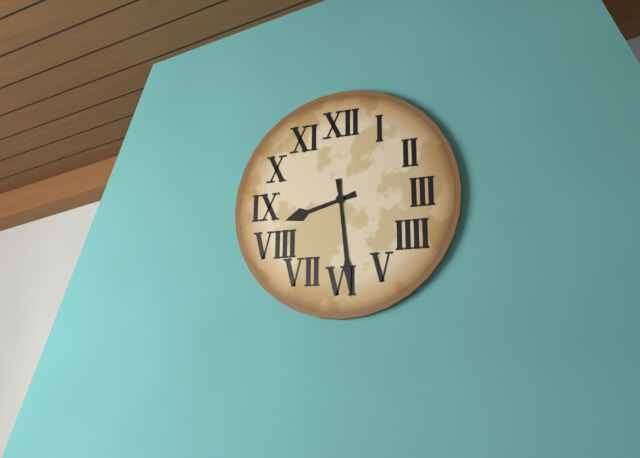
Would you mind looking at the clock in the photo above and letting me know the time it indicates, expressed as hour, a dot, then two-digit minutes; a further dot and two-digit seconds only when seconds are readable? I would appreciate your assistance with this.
8.29
